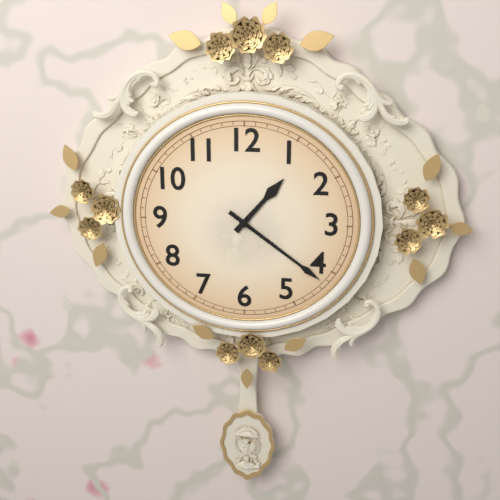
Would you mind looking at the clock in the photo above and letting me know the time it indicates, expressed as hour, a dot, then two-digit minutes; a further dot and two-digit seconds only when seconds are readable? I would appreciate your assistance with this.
1.21
